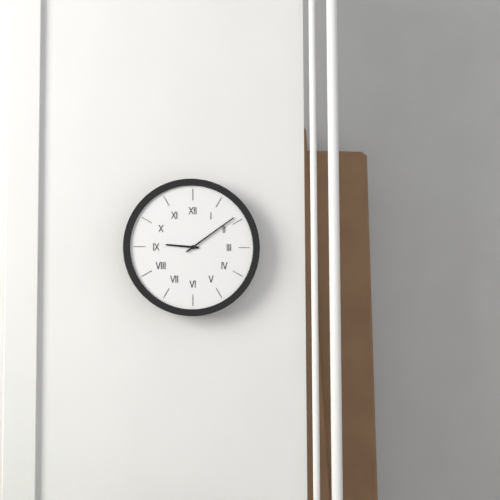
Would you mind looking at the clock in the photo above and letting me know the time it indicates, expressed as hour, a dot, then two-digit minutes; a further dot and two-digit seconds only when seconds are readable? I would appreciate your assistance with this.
9.09
